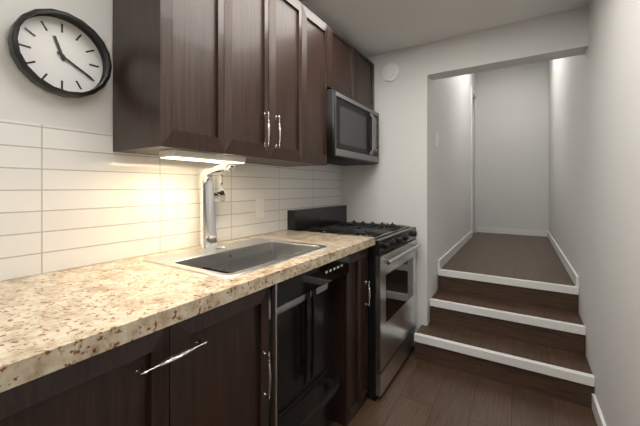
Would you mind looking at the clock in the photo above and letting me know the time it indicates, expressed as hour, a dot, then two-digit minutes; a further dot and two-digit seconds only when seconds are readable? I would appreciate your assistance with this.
11.20
